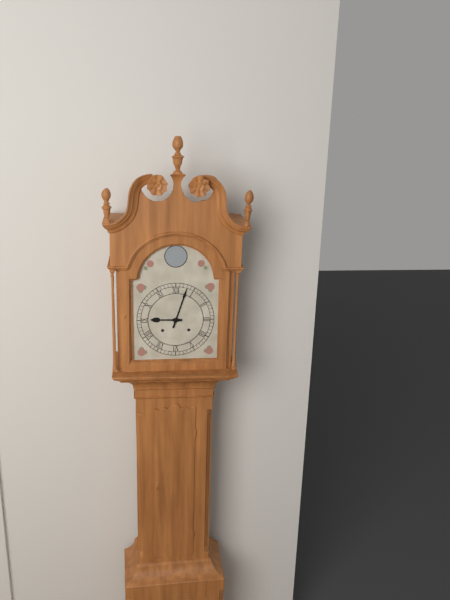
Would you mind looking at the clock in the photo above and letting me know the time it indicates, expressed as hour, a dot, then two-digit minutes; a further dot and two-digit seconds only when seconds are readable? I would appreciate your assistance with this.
9.03
